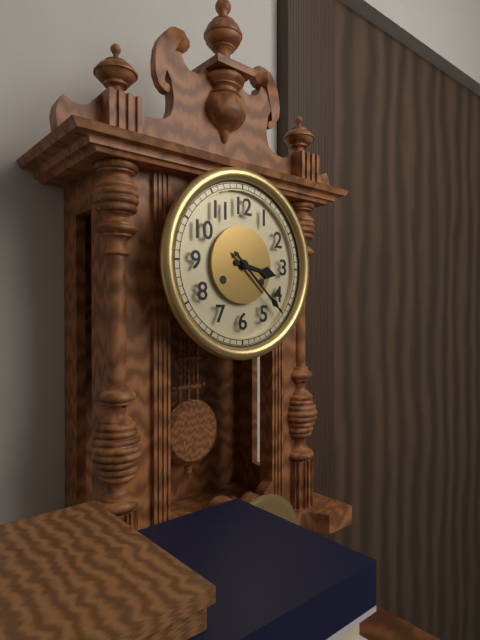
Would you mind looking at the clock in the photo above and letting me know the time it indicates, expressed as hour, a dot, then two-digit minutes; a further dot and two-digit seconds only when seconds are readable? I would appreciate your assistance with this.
3.22
